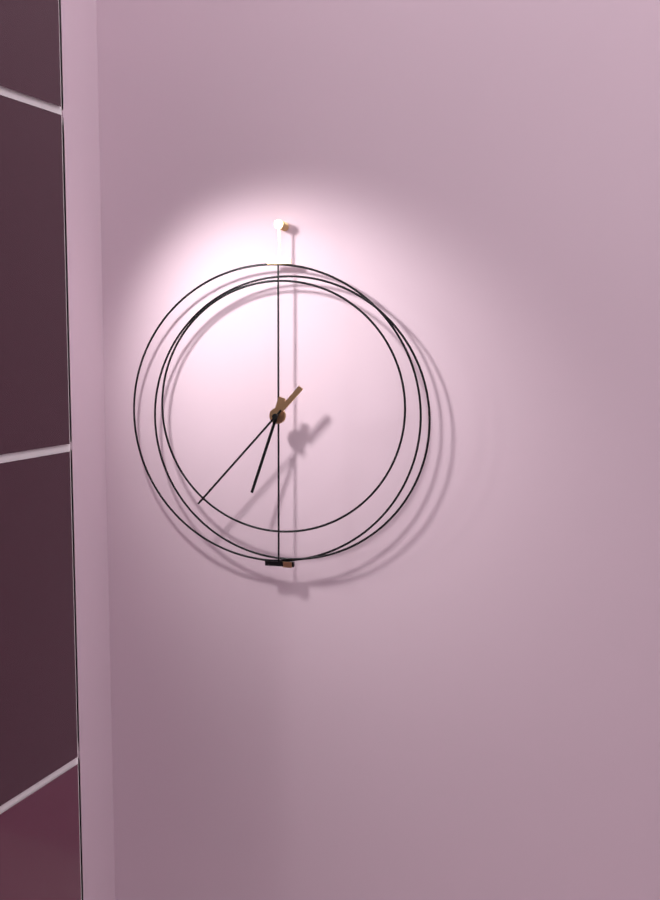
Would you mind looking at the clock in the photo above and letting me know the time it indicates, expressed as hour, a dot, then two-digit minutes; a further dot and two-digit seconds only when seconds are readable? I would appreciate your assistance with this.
6.37
